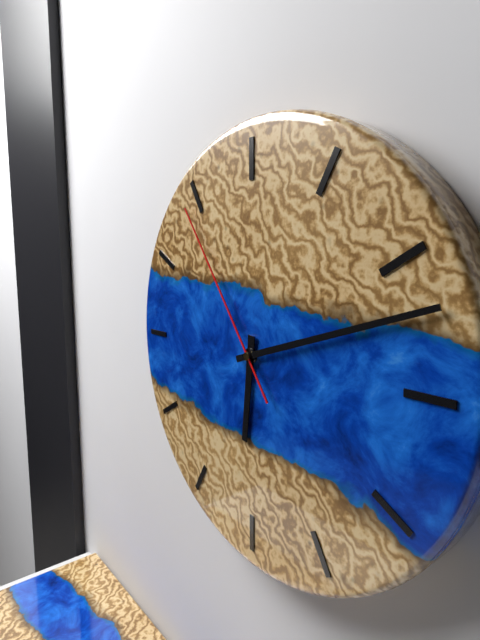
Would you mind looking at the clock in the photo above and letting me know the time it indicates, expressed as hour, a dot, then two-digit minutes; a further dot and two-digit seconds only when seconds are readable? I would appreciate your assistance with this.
6.12.54
